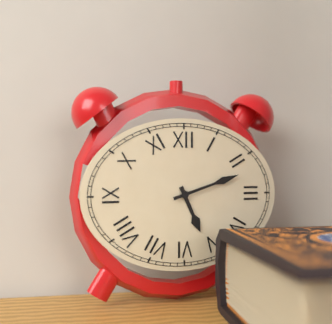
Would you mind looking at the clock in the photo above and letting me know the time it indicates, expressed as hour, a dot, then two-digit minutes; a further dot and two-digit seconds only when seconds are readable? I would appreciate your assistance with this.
5.12
